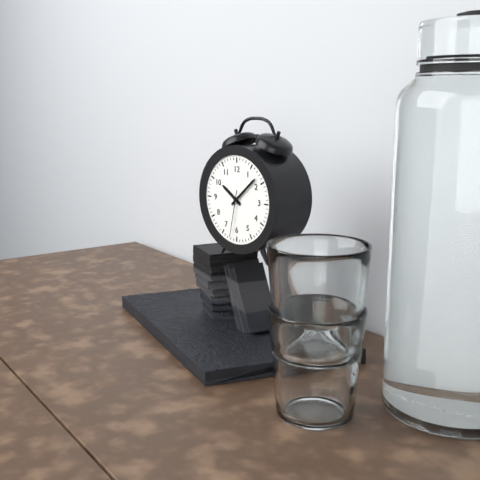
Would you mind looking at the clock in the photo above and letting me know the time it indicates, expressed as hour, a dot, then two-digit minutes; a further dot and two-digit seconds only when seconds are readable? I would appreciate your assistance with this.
10.08
